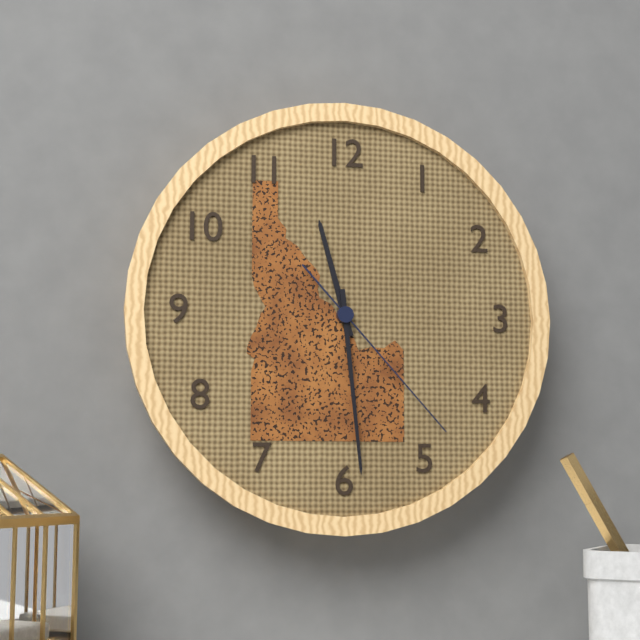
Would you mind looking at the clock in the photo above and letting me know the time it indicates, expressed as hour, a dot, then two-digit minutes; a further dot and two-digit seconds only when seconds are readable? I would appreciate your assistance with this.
11.29.23
